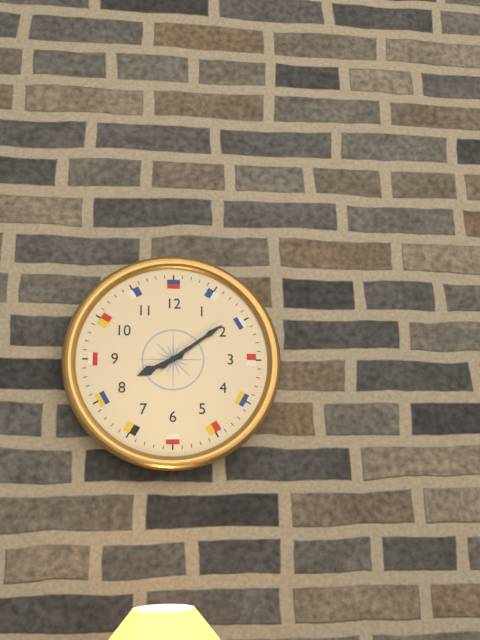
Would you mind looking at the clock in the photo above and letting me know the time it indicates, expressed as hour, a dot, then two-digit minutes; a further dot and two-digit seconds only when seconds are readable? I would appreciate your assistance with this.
8.09
